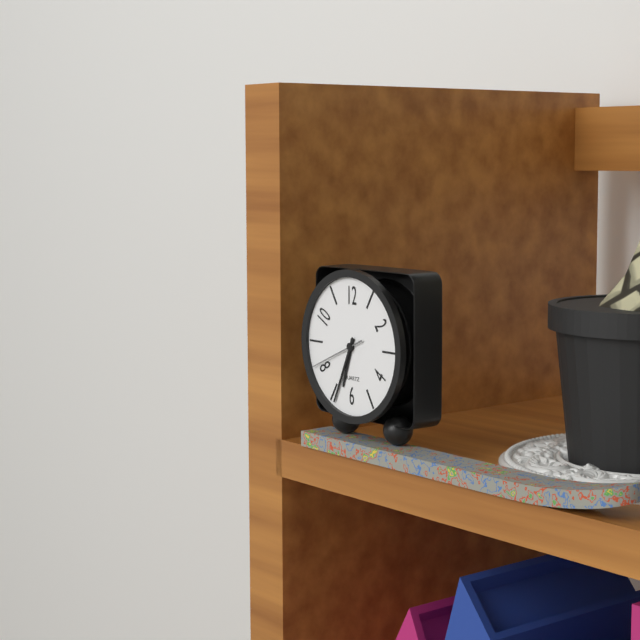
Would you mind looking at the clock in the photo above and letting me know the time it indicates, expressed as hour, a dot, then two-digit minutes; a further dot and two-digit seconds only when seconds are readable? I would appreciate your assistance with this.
6.34.41
